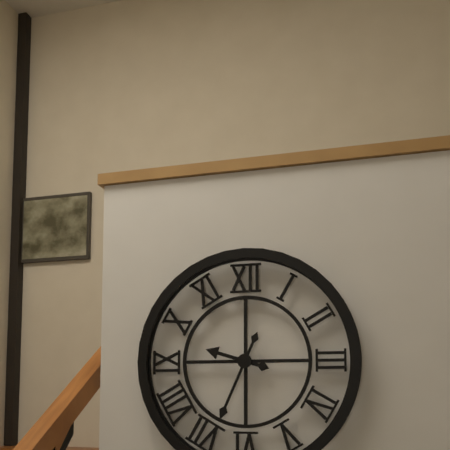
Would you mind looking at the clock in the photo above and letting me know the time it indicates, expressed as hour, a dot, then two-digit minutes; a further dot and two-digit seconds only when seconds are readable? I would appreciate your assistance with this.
9.34
